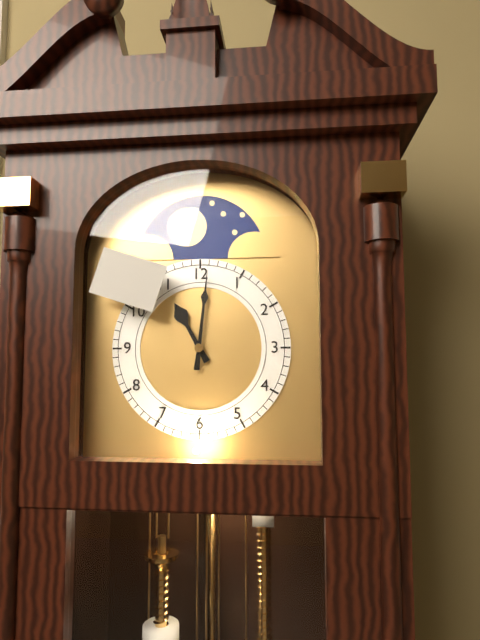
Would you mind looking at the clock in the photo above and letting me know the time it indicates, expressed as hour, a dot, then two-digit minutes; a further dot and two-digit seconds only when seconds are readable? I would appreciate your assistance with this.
11.01
